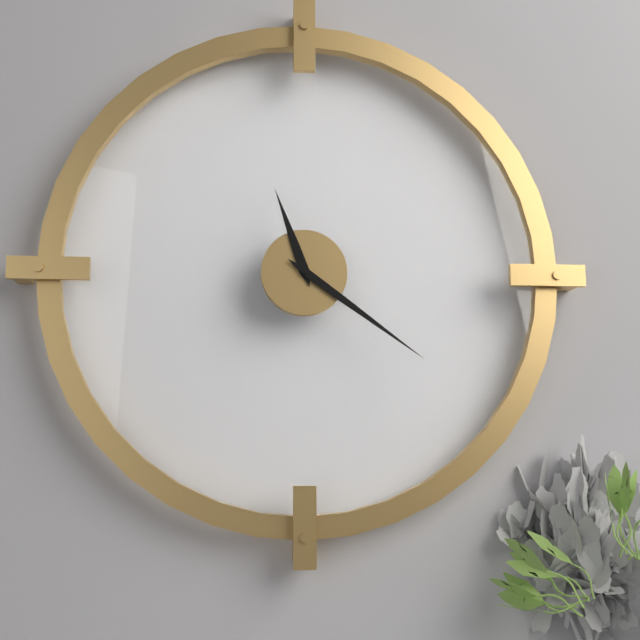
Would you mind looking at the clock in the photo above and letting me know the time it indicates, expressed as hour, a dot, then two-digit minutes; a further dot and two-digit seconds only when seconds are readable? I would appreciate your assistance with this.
11.21
